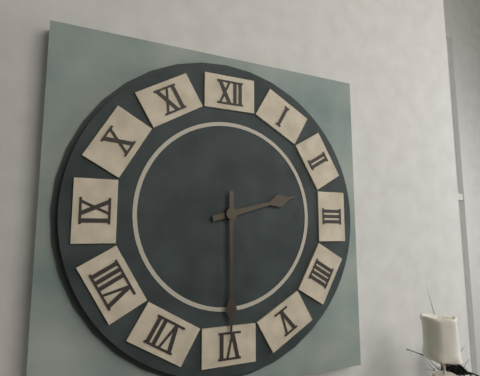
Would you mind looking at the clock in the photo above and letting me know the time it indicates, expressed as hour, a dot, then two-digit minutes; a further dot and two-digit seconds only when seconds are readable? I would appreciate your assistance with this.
2.30
